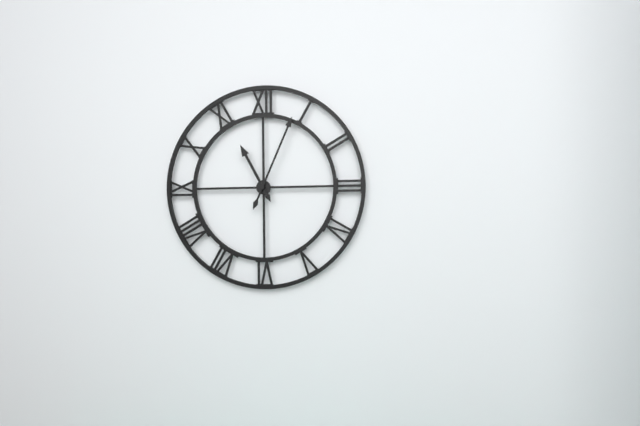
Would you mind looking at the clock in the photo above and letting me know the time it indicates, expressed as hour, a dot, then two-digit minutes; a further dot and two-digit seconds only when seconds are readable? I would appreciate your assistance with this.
11.04
